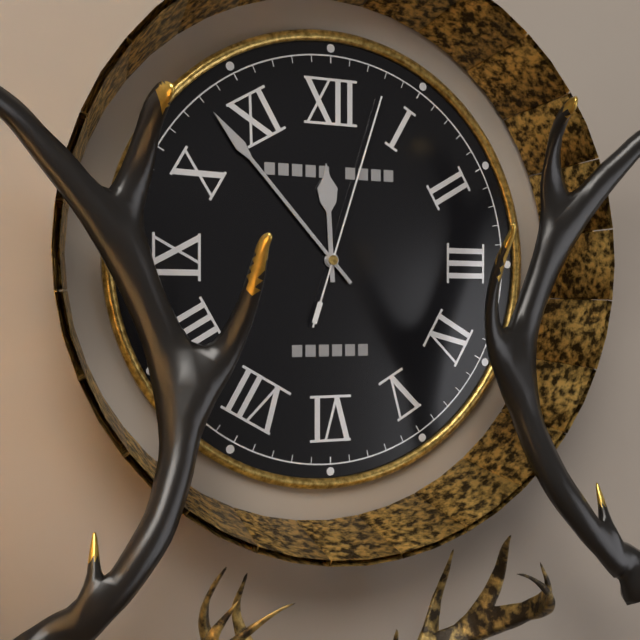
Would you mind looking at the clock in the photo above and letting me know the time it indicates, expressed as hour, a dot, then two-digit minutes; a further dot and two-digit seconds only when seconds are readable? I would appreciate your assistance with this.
11.53.03
